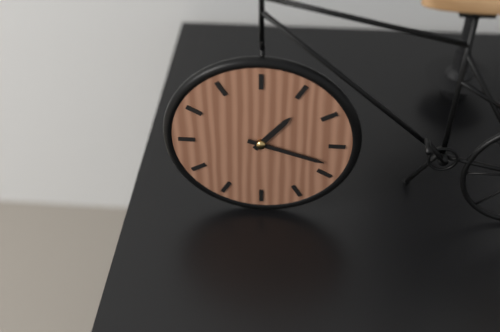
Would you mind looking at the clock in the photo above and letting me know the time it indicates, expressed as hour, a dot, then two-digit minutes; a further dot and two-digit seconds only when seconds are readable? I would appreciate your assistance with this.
1.18
